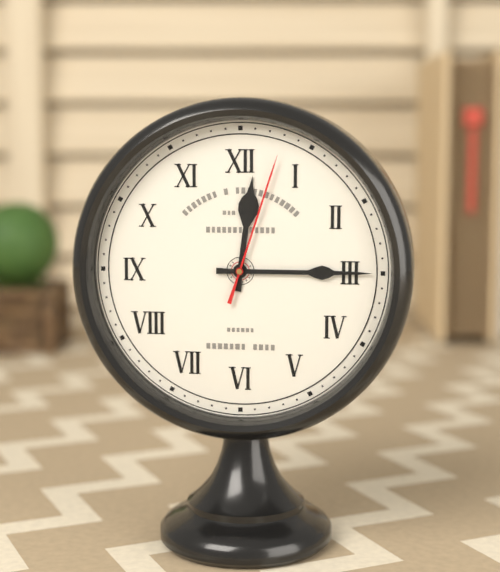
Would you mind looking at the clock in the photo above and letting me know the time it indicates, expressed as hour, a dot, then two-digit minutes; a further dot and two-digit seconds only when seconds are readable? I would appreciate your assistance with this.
12.15.03
